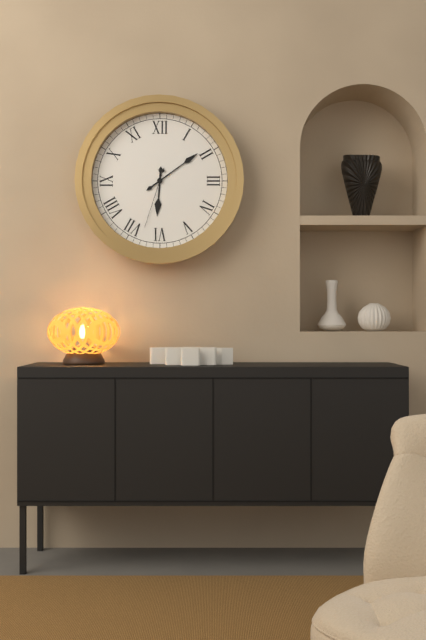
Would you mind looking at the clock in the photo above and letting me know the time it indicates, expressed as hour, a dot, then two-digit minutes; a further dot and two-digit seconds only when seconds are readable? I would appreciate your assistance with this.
6.09.33
